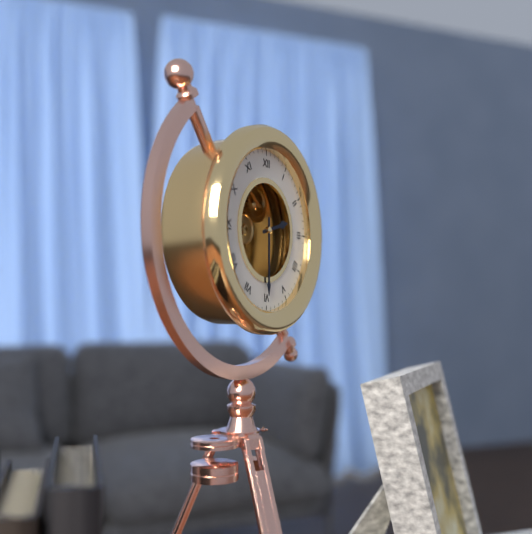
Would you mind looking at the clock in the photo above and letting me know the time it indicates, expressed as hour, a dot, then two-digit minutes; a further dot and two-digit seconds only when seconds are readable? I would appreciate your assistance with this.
2.30
